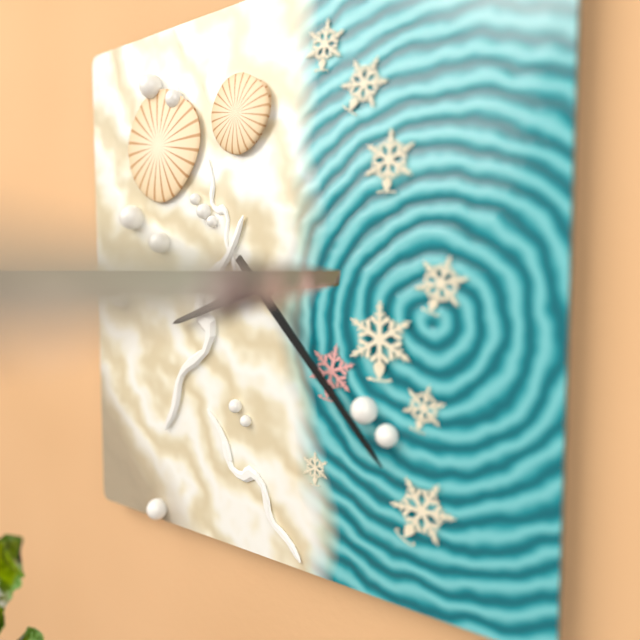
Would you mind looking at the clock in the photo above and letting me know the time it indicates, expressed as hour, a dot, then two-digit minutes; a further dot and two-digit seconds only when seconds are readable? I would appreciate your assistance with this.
8.23
